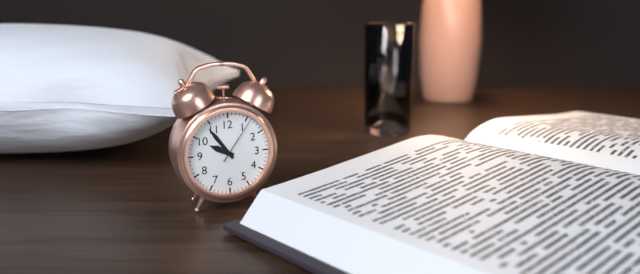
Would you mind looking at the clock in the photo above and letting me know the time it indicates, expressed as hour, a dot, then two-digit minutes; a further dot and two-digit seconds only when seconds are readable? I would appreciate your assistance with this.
9.54
